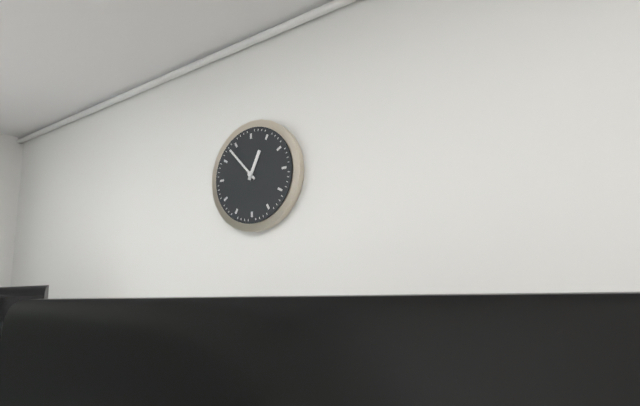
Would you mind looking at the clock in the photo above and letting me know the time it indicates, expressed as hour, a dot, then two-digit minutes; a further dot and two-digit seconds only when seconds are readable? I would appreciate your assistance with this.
12.53
